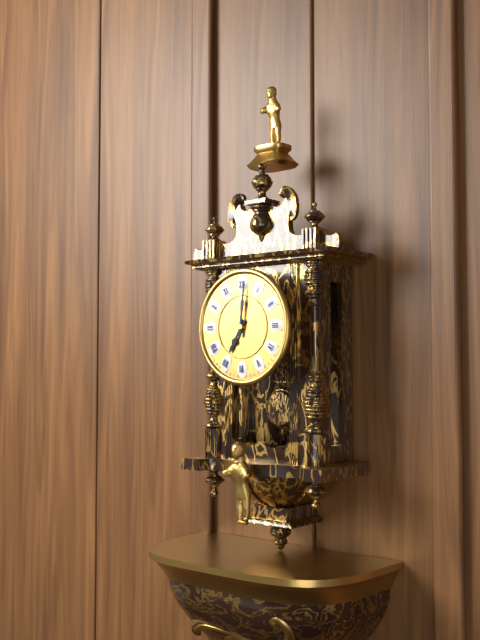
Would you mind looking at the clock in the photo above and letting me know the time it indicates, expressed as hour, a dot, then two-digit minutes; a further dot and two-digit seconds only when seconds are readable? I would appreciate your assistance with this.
7.01
